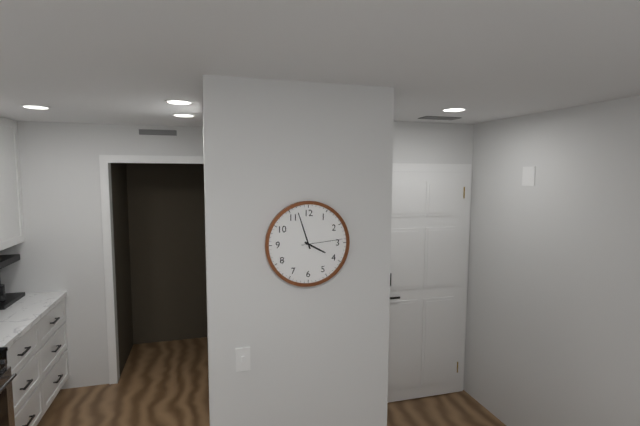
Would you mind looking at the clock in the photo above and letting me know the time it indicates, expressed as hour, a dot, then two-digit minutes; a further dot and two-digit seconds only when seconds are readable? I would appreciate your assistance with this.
3.57
